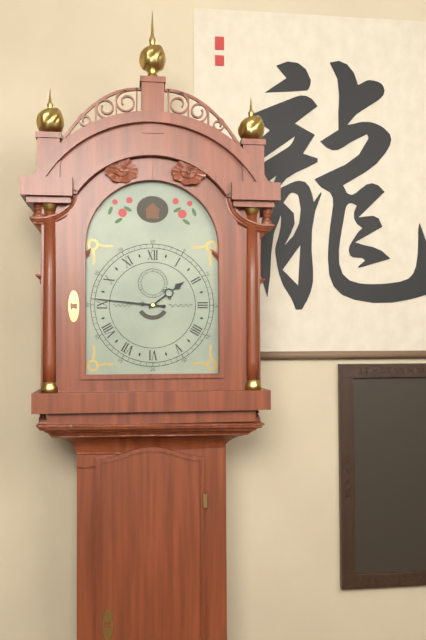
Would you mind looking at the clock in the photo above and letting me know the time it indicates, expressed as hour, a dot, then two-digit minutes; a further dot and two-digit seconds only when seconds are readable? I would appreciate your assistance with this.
1.46
